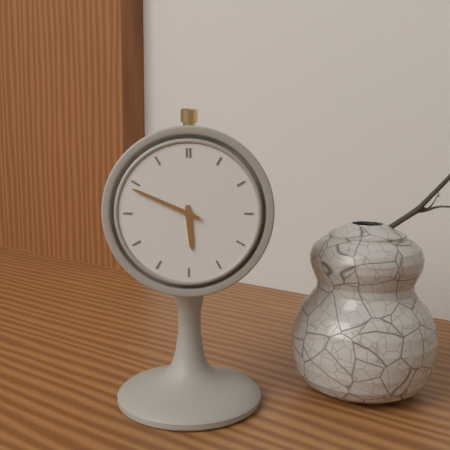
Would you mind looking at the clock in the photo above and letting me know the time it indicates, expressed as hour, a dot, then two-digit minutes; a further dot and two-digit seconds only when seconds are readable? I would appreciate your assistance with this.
5.49
